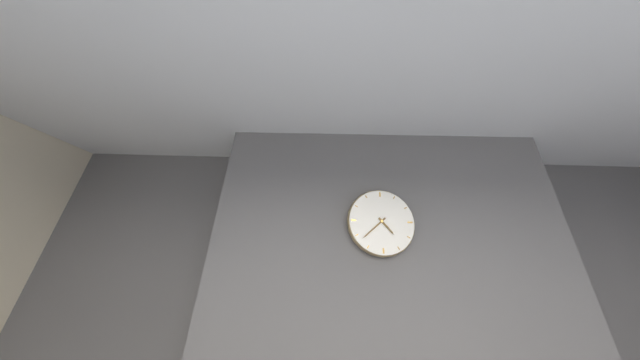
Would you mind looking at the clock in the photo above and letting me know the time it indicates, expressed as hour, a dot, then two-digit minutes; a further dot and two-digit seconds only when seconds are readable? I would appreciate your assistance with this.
4.38
